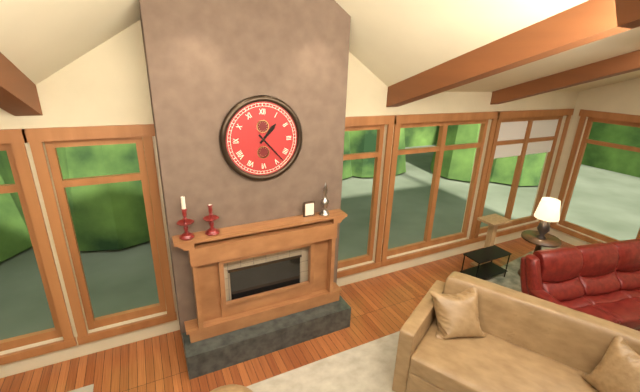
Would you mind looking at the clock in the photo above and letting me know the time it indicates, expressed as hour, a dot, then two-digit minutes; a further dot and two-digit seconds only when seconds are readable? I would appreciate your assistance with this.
1.23
